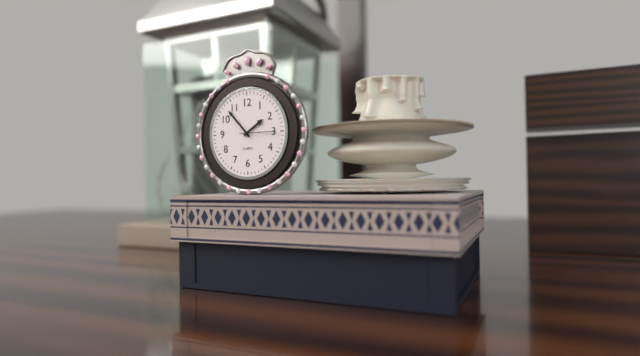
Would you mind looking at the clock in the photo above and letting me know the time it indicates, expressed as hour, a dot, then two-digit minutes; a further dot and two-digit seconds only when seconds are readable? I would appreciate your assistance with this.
1.53
